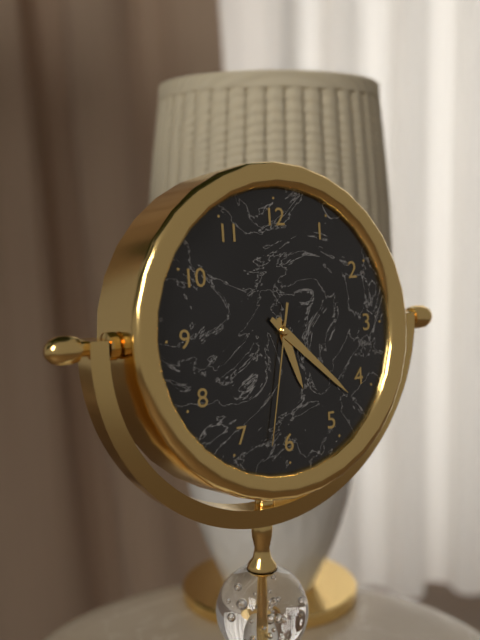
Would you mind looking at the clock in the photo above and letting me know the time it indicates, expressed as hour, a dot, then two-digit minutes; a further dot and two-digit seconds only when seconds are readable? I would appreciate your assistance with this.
5.22.32
